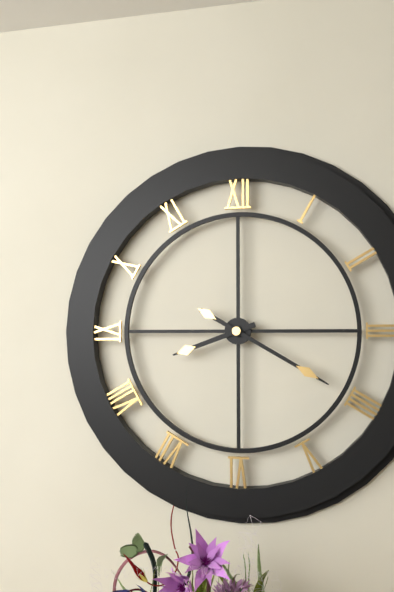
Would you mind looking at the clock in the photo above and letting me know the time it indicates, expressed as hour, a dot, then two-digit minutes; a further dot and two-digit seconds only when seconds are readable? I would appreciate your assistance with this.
8.20
